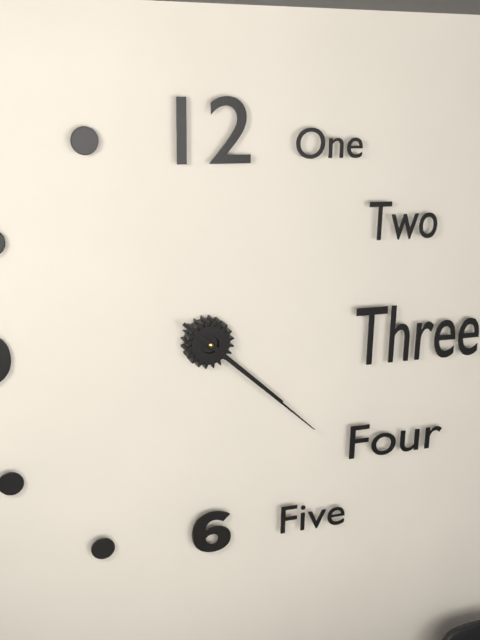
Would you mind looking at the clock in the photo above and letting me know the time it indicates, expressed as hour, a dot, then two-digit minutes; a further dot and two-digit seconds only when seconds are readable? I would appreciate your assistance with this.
4.22
